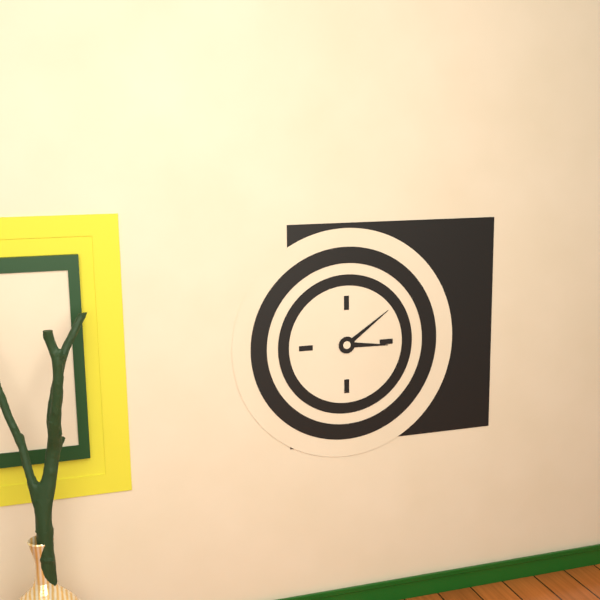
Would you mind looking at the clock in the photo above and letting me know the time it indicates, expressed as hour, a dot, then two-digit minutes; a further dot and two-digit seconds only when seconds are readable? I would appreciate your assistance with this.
3.09
